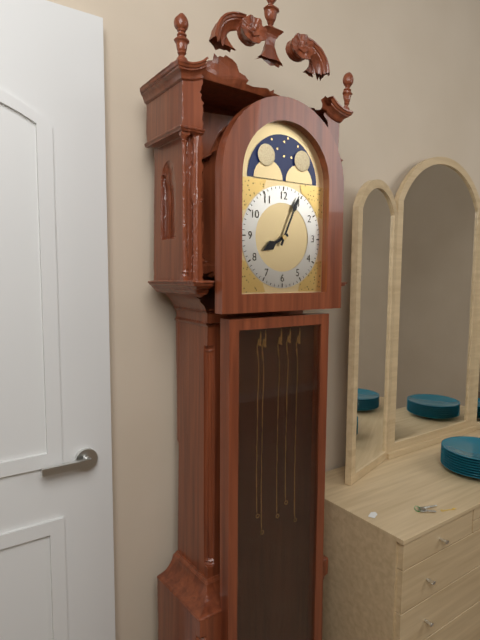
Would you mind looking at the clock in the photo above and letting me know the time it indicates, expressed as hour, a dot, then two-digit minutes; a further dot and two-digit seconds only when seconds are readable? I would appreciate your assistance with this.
8.04
